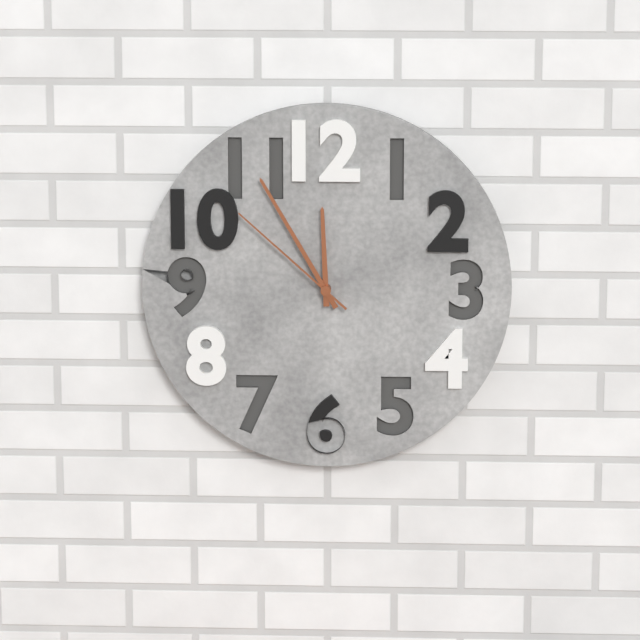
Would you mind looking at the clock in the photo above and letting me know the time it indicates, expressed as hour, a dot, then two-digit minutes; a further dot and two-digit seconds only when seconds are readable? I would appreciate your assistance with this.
11.55.52
